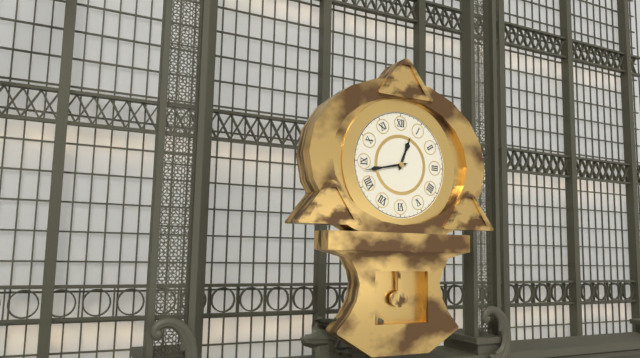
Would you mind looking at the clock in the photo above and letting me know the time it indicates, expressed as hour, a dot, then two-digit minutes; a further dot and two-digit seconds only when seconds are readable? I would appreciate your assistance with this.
12.43
